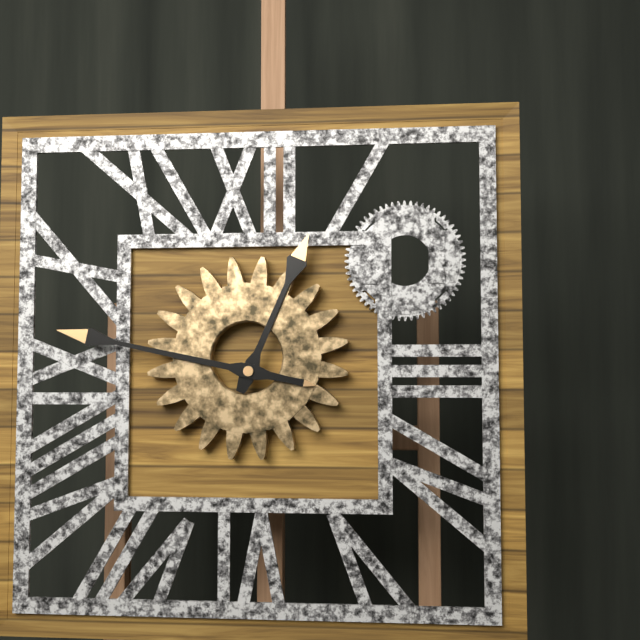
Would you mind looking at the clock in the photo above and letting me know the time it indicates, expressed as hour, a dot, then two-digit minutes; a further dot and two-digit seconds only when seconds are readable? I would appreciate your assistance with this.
12.47
